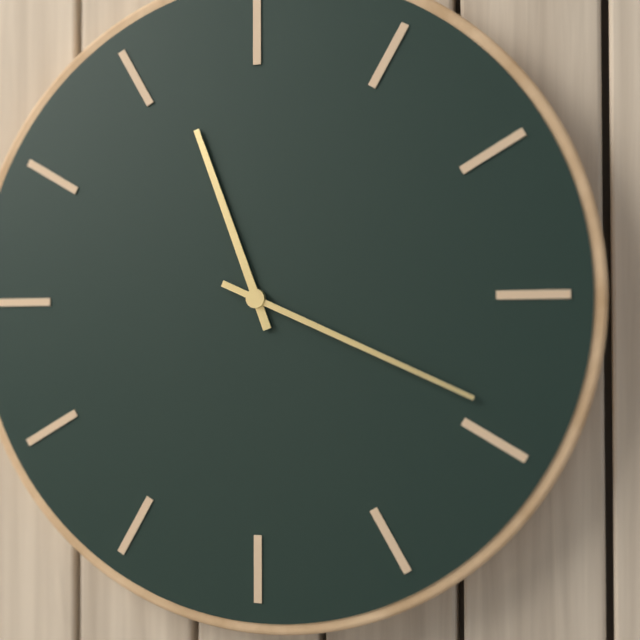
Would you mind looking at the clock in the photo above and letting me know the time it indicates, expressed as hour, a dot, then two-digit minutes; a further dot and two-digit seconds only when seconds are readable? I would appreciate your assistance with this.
11.19
